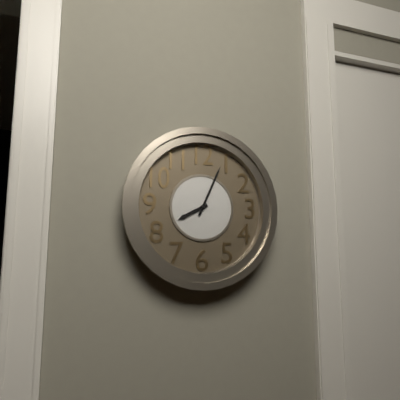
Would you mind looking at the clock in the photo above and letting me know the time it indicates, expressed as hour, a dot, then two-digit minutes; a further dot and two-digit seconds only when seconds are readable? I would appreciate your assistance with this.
8.04
